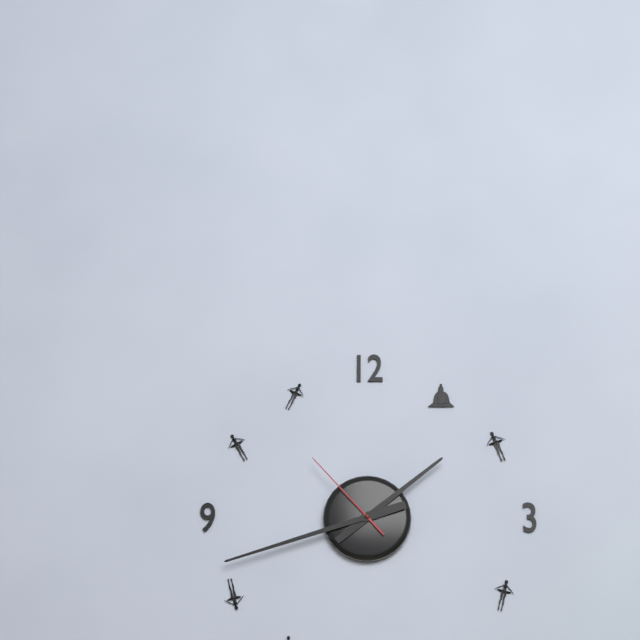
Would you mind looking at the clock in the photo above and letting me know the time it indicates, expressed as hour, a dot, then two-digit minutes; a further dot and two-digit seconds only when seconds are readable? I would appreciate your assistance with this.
1.42.53
